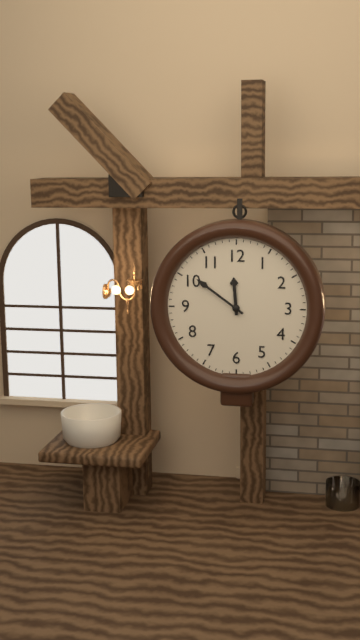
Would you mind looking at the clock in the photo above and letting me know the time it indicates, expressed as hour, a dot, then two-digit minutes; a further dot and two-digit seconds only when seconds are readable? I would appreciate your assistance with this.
11.51
